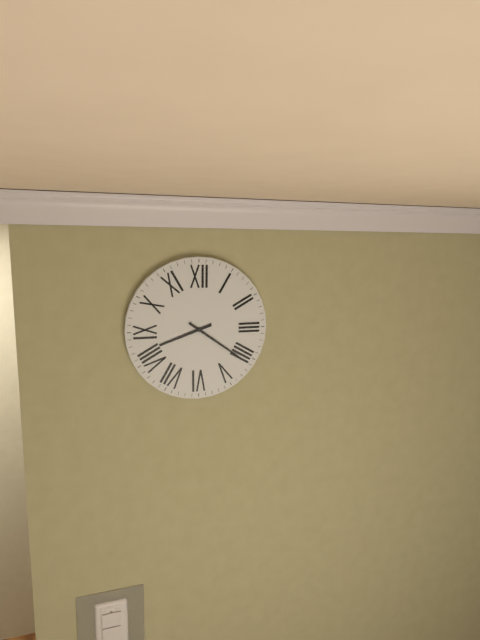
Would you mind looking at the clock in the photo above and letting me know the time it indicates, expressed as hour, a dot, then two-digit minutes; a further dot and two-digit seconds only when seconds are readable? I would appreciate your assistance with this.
8.21
